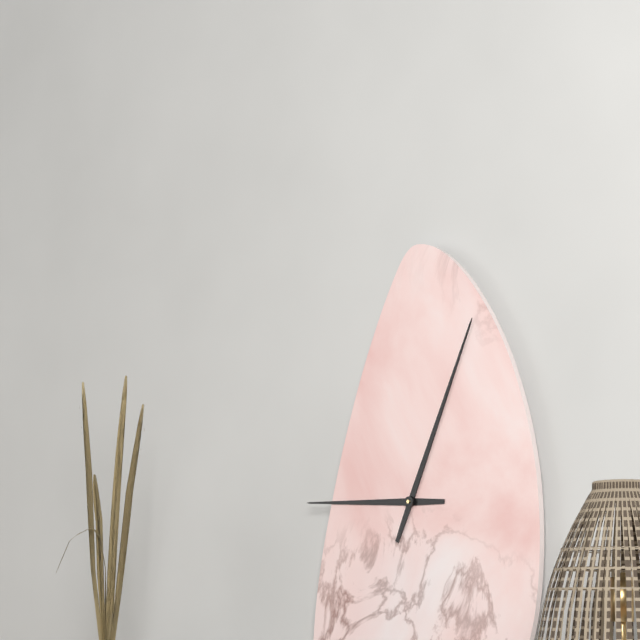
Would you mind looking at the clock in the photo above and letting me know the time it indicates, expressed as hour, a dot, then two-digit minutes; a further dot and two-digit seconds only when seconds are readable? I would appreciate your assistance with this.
9.04
